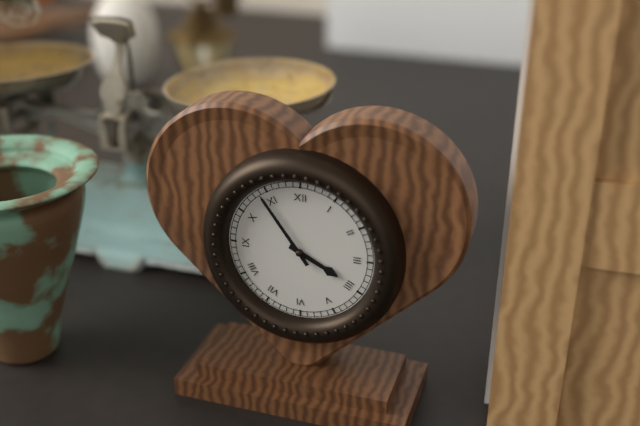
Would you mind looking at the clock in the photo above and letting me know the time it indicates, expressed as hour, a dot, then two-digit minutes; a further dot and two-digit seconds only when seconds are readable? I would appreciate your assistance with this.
3.54
